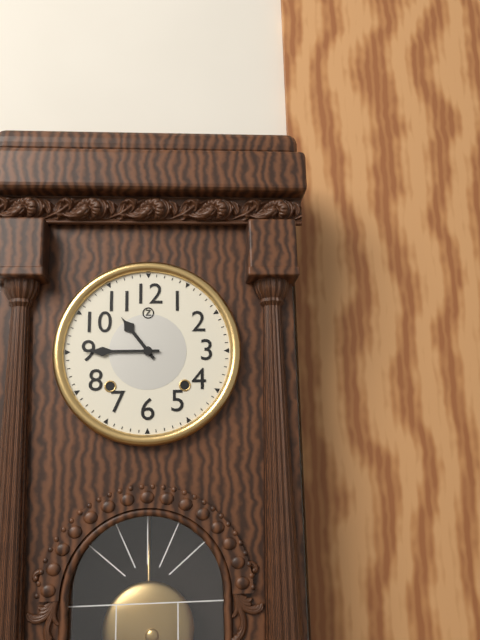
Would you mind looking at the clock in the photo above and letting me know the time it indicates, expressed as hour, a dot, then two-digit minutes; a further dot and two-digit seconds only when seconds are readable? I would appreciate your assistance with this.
10.45
